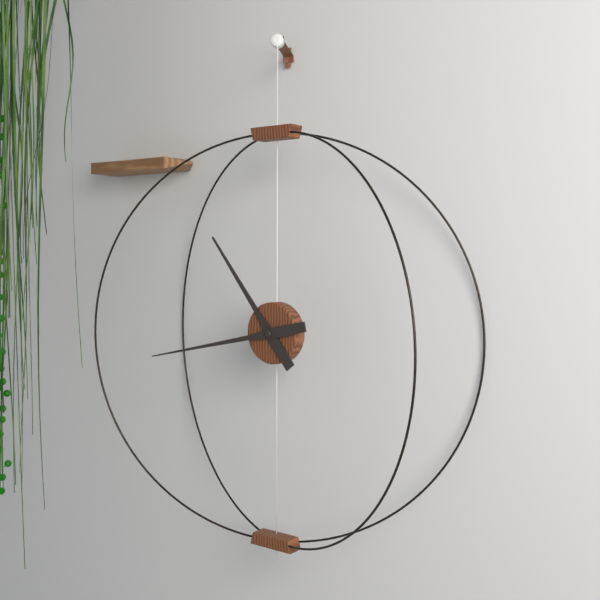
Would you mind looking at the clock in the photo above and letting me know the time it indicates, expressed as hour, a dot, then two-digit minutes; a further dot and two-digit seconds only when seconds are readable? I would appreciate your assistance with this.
10.43
